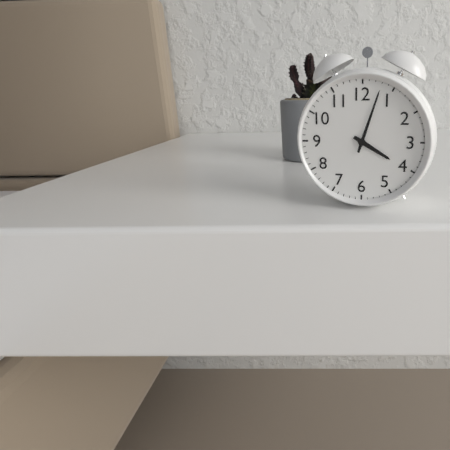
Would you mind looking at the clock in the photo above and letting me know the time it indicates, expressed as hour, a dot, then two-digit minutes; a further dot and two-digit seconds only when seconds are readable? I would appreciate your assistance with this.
4.03
